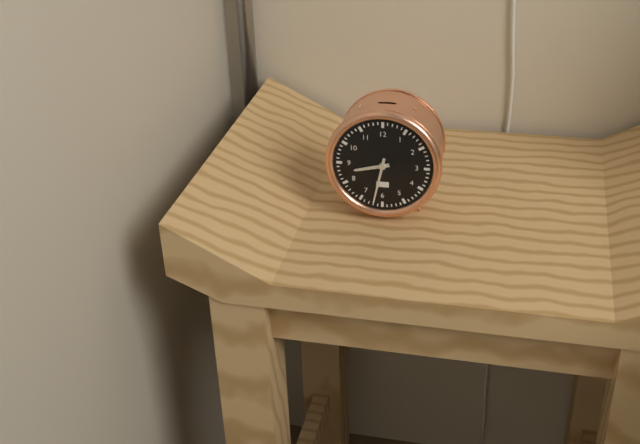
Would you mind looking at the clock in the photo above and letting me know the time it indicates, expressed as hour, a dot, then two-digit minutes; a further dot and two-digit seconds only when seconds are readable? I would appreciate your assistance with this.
8.32
